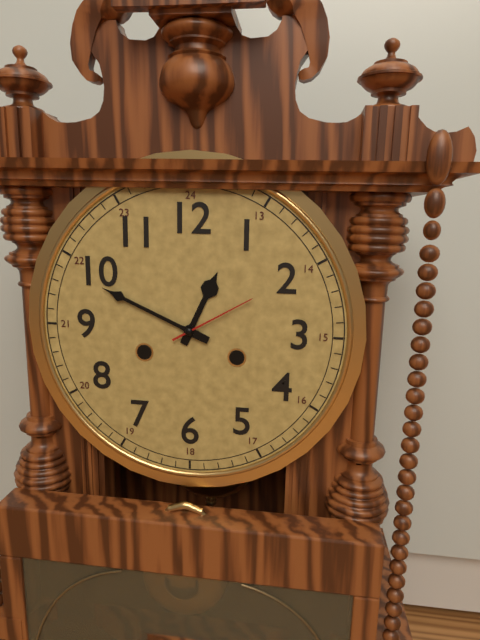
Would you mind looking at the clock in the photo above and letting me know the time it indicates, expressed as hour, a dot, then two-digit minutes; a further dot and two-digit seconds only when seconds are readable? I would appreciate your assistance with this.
12.49.10
